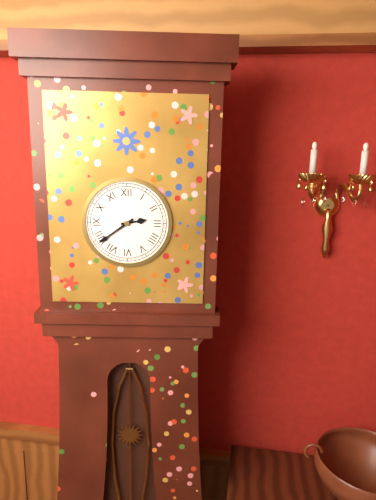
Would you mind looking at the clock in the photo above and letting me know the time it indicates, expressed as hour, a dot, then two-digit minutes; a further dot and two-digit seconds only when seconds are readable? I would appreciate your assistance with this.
2.39
